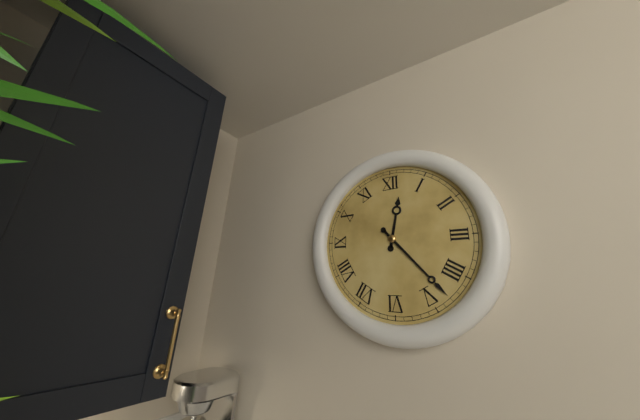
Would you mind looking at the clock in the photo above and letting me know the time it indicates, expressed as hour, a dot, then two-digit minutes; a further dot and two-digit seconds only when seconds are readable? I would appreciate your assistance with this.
12.23
